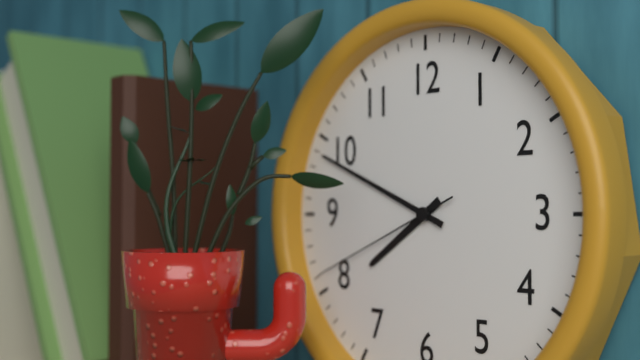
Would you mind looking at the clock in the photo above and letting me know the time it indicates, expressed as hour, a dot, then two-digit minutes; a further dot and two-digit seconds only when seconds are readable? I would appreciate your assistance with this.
7.49.41
